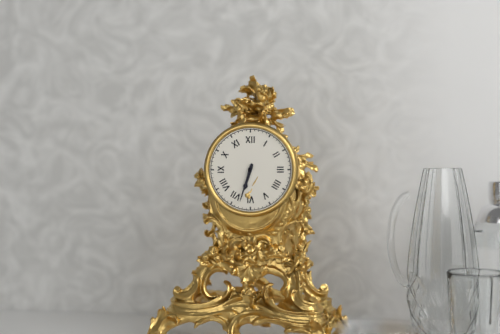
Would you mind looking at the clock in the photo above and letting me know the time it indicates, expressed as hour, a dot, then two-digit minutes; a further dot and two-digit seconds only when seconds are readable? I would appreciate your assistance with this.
6.33
